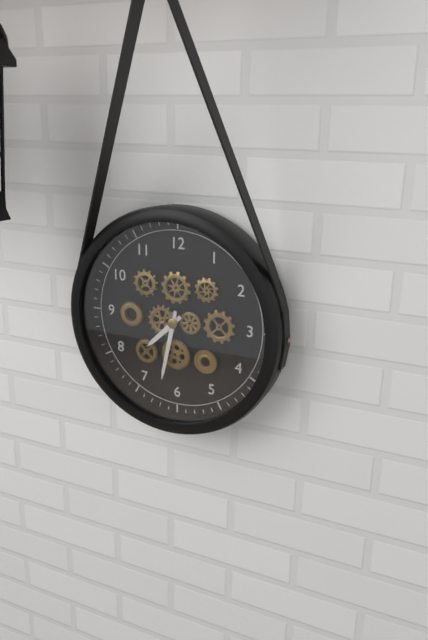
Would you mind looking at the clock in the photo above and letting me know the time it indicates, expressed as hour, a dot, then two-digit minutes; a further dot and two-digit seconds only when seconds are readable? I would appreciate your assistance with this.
7.32
